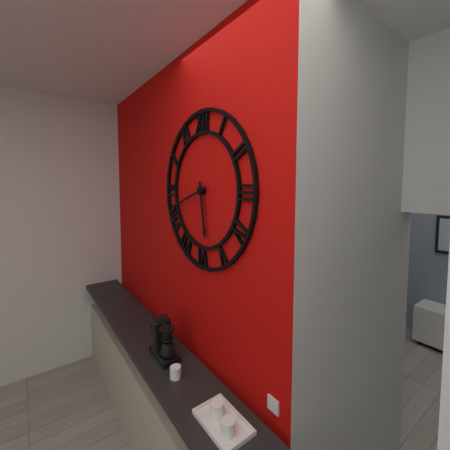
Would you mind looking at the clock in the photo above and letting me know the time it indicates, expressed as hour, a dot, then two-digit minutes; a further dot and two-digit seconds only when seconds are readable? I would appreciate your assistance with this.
5.42
